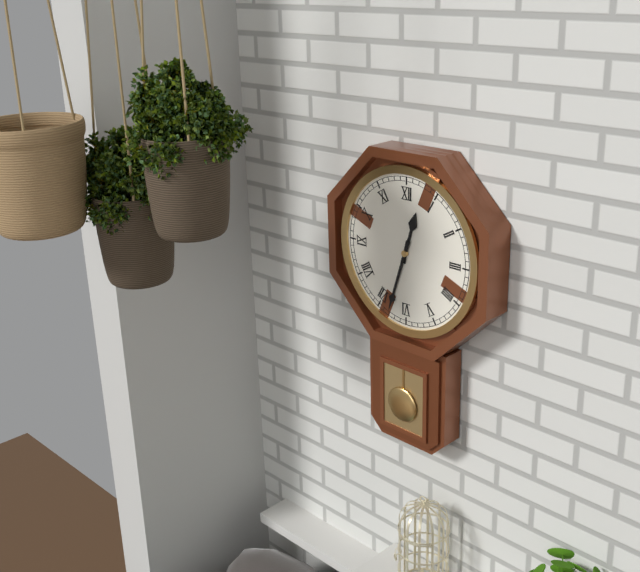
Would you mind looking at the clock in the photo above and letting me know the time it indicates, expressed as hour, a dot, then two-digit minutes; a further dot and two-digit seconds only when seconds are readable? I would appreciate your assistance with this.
12.33
